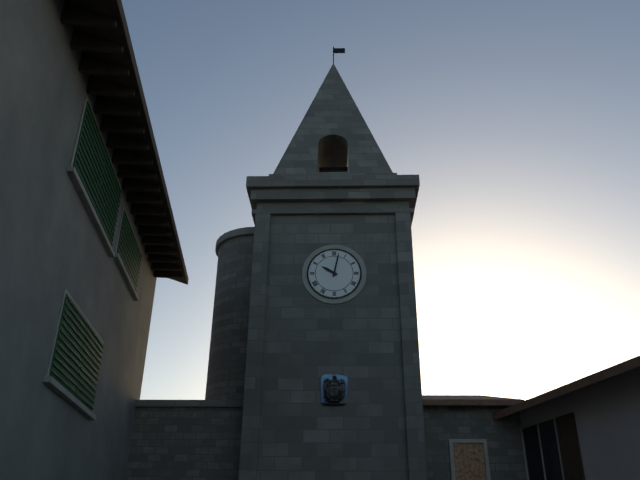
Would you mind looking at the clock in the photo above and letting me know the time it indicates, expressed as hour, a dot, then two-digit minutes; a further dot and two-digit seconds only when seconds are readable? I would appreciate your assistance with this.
10.02
